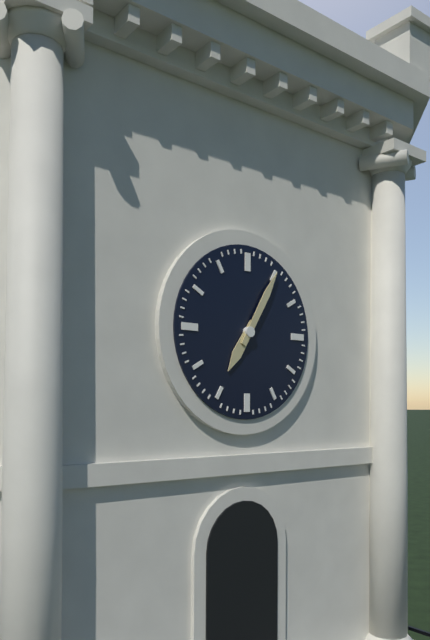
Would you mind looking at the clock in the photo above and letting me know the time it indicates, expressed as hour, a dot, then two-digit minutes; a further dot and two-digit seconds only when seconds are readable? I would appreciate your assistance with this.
7.05
